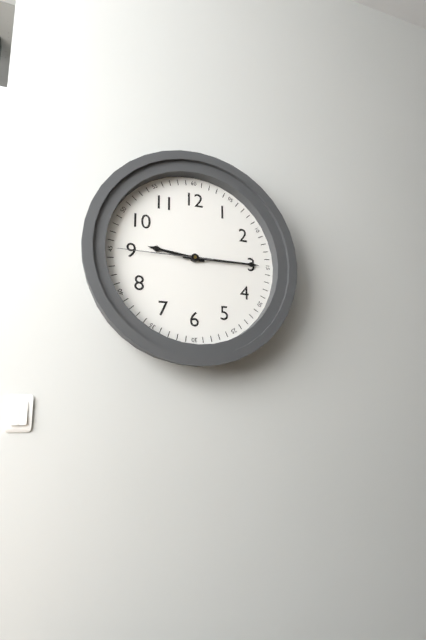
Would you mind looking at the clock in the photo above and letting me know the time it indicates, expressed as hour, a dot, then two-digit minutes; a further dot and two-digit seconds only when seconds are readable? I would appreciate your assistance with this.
9.15.45
